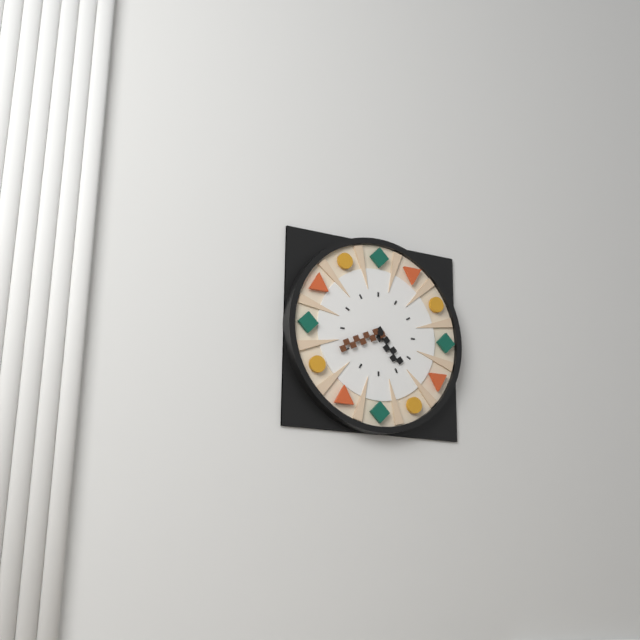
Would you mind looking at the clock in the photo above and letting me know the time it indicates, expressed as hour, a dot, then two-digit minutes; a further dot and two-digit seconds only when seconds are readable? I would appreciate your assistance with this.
4.41
